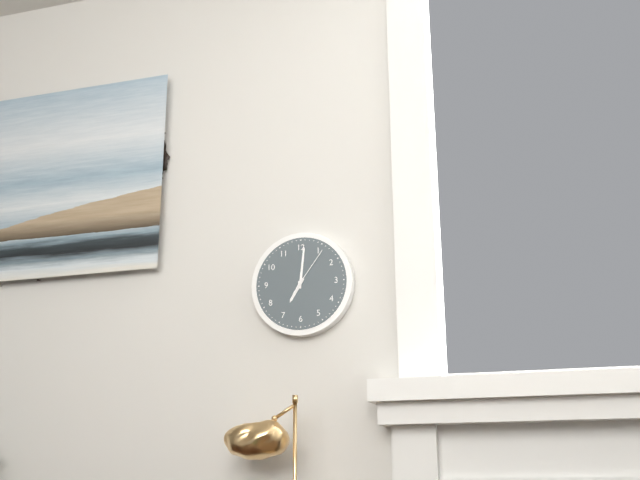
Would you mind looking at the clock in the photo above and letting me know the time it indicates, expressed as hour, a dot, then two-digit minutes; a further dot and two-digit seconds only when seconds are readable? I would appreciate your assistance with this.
7.01
